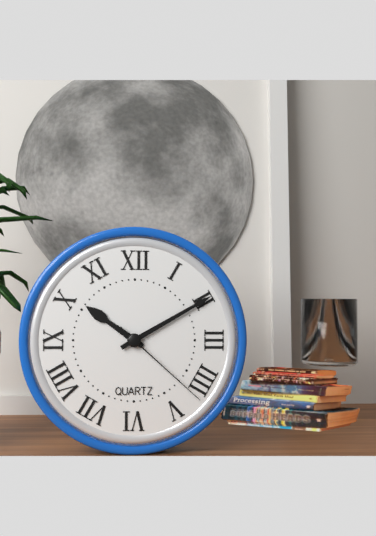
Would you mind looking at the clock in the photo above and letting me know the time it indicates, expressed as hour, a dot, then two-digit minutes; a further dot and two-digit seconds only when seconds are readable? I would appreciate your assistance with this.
10.10.22
